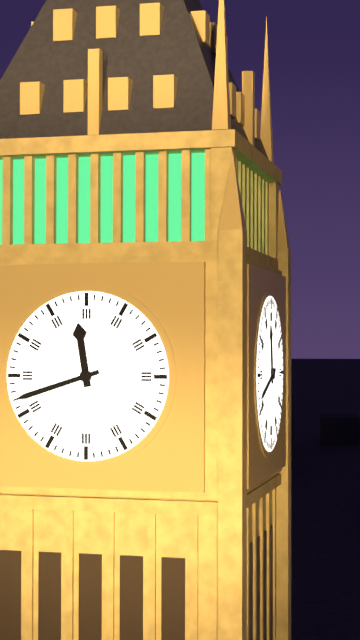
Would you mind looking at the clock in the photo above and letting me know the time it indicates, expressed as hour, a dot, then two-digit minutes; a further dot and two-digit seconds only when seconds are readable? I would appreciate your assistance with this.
11.42
